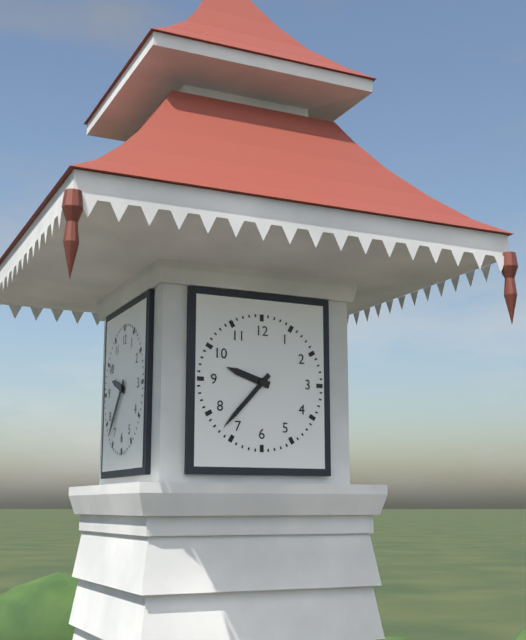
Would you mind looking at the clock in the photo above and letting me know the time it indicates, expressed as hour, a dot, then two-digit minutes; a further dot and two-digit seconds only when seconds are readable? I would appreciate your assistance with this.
9.37
